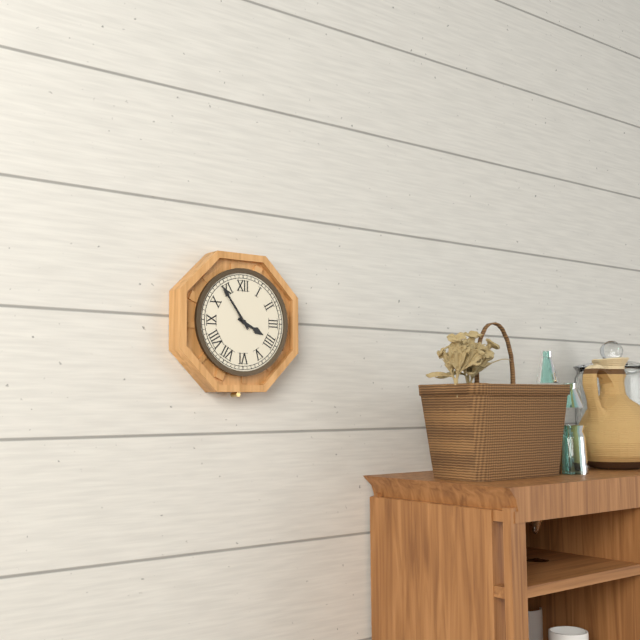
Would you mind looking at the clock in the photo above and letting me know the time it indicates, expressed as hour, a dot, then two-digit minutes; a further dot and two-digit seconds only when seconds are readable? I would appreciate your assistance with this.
3.54
